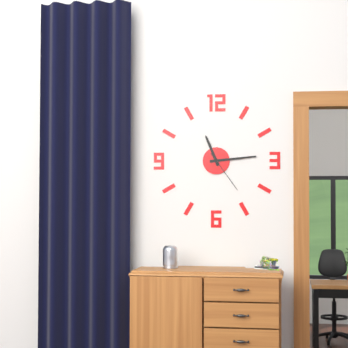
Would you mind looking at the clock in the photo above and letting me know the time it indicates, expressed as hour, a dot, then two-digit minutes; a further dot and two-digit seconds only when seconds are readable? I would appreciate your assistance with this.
11.14
